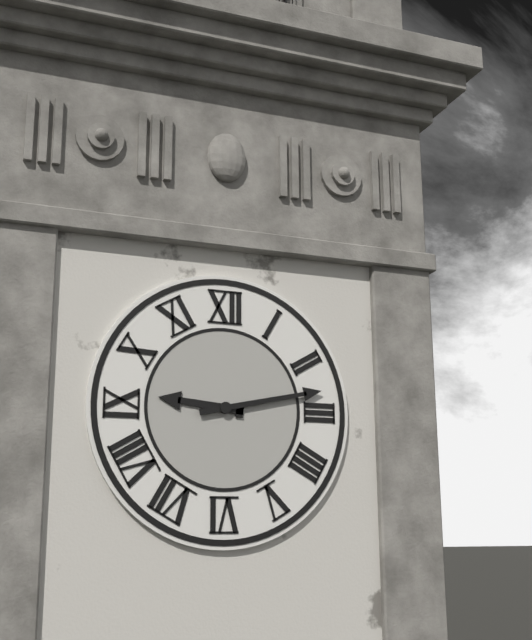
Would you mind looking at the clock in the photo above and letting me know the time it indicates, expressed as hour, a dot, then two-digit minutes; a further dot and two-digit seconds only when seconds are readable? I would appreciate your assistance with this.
9.13
